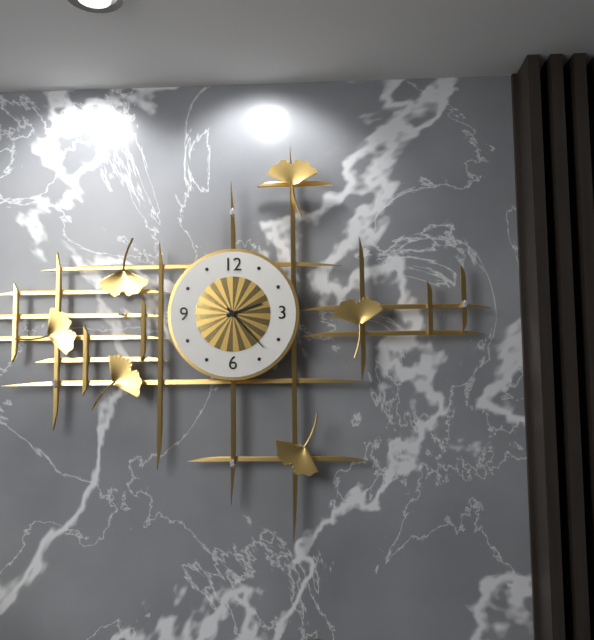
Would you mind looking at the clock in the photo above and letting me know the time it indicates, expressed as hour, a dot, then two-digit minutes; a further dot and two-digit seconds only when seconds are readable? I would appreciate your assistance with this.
2.23
